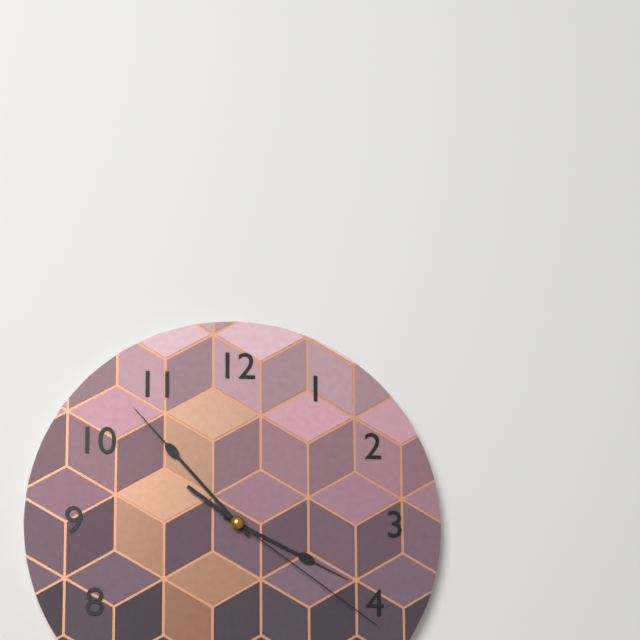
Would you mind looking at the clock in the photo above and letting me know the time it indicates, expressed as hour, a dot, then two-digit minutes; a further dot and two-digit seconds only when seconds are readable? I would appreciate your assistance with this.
3.53.21
